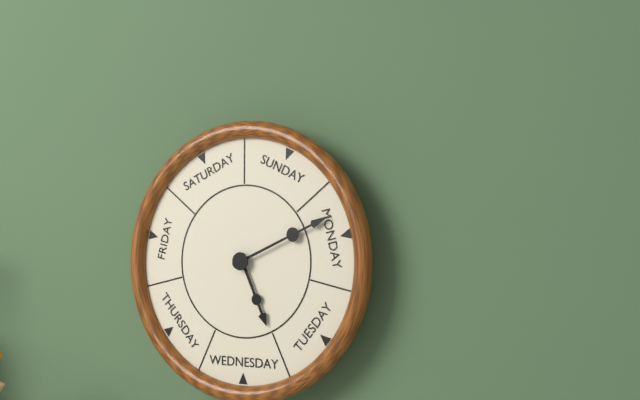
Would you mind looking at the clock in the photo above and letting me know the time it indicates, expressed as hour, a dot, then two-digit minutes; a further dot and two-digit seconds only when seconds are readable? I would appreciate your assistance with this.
5.11
